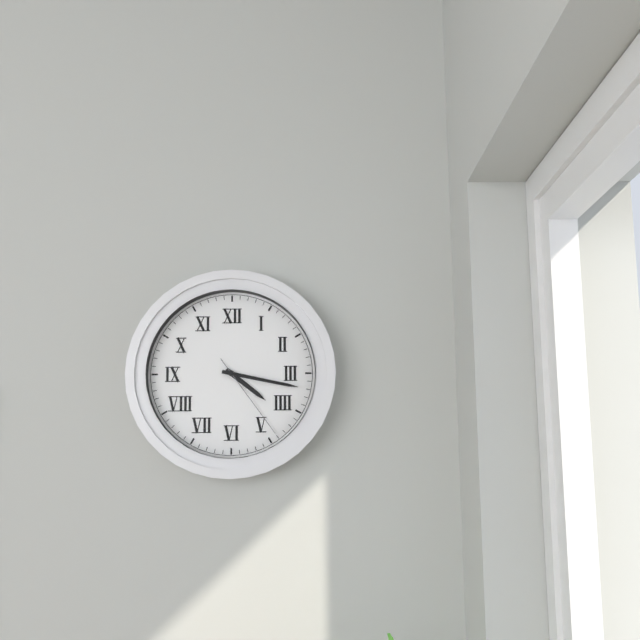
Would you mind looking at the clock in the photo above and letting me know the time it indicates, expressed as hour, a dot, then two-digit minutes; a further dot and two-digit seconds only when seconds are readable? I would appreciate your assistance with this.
4.17.24
